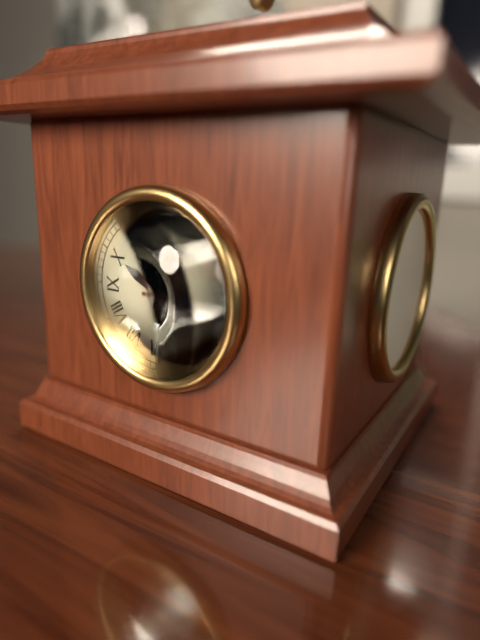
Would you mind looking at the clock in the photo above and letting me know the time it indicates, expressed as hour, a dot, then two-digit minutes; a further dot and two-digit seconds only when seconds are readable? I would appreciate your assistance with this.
10.01.13
